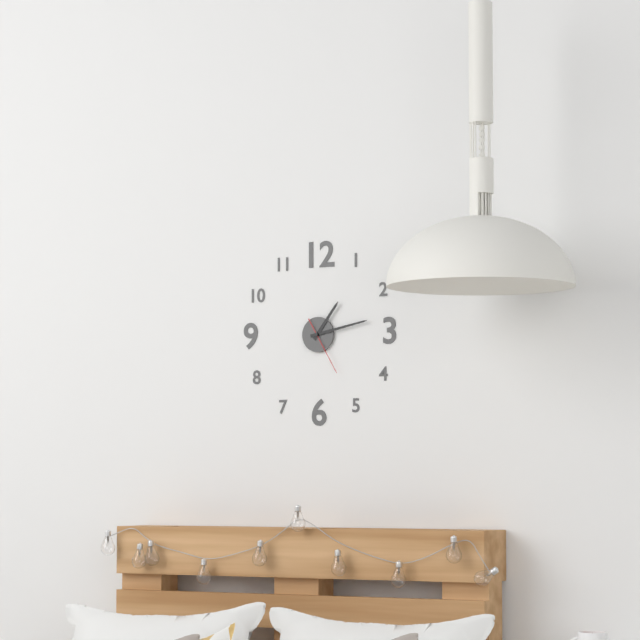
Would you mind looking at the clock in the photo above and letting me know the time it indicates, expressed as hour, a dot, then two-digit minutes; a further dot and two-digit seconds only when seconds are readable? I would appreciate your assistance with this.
1.13.25
